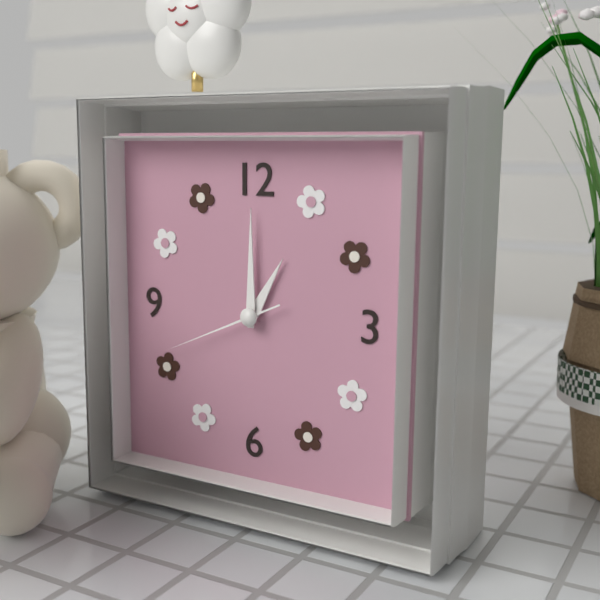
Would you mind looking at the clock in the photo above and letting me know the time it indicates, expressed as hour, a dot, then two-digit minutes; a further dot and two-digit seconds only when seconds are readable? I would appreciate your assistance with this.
1.00.41
